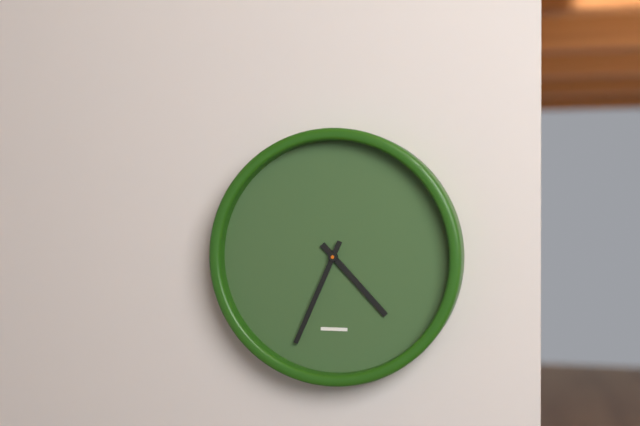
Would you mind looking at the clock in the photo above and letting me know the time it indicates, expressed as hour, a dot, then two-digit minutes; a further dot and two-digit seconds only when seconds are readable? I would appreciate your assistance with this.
4.34
